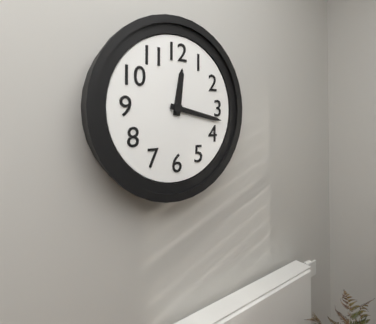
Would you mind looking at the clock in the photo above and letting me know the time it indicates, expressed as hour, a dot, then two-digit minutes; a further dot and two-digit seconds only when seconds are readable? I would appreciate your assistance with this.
12.17
